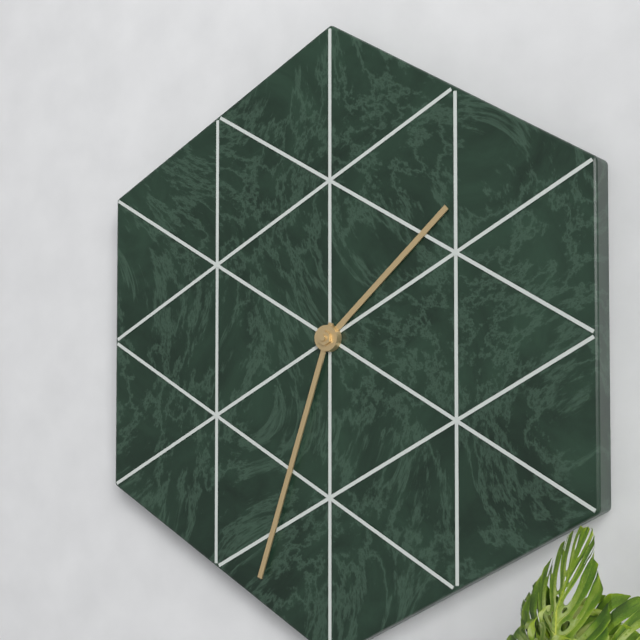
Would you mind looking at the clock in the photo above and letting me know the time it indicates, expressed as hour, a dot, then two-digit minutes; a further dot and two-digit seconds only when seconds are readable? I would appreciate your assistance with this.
1.33
